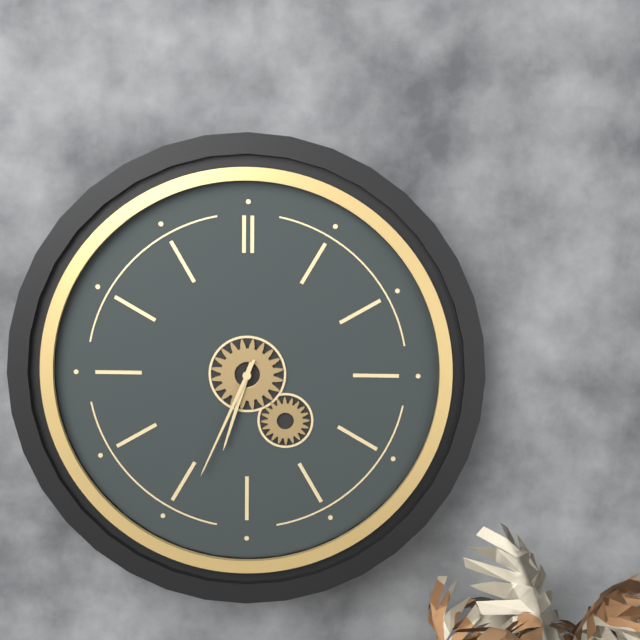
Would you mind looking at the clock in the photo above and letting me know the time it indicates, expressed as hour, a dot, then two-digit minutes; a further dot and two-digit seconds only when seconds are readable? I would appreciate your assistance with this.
6.34
